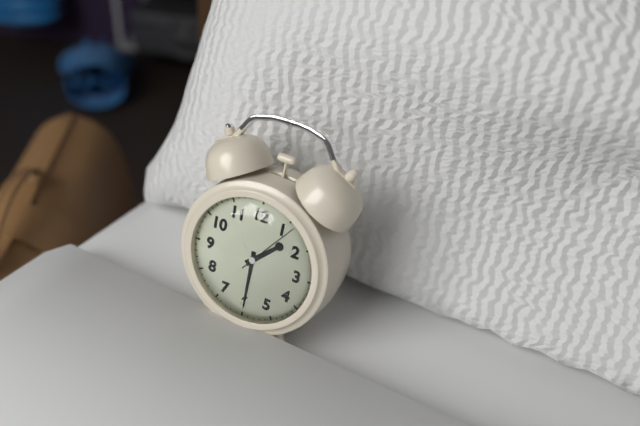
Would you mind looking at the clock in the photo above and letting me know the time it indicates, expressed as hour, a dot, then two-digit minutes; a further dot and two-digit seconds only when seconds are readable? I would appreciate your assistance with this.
1.30.06
